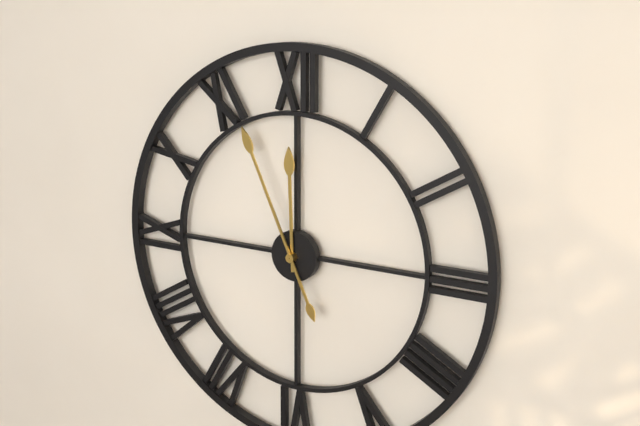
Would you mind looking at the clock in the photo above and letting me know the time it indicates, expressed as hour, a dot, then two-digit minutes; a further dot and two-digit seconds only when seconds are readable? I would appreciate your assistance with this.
11.56
